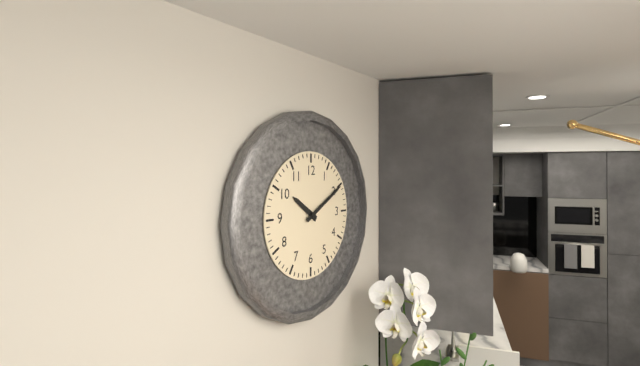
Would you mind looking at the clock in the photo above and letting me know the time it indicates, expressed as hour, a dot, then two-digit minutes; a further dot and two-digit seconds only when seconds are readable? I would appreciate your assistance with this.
10.10
